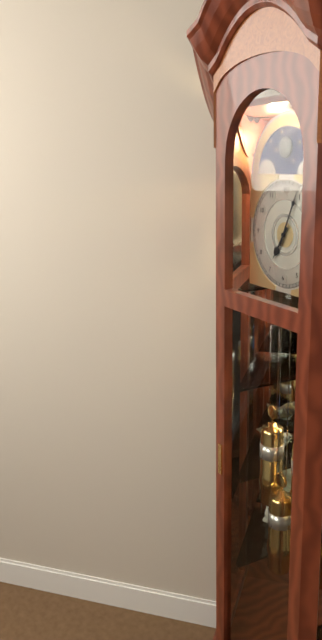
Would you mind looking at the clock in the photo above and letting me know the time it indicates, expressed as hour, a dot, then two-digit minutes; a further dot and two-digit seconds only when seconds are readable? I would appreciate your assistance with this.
7.04
